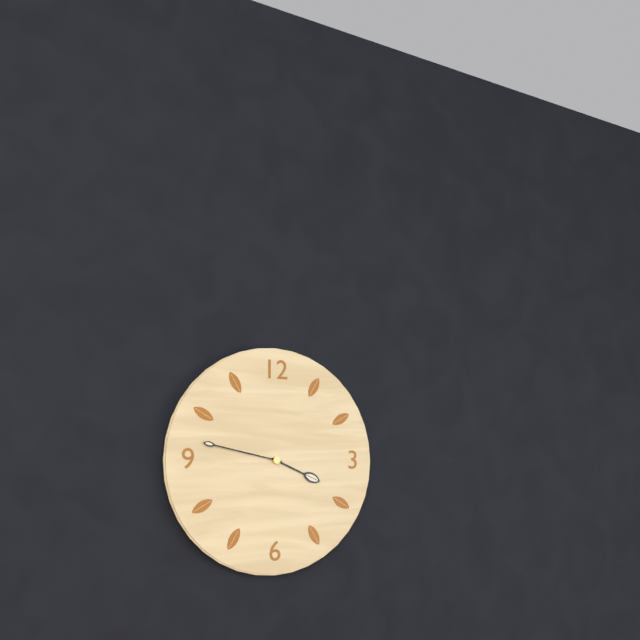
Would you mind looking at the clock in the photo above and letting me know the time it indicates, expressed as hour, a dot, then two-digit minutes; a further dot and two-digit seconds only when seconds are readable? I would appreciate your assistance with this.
3.47
